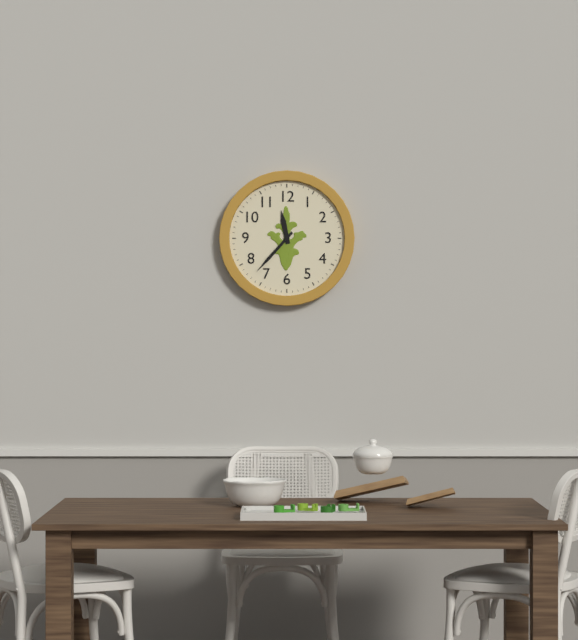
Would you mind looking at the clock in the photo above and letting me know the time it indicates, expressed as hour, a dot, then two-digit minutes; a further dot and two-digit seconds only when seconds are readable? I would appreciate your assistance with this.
11.37
